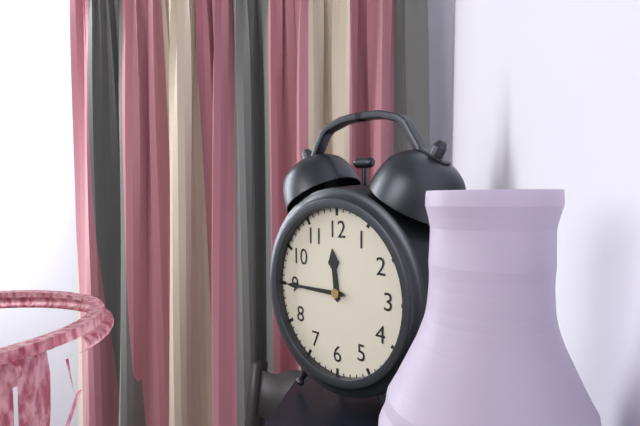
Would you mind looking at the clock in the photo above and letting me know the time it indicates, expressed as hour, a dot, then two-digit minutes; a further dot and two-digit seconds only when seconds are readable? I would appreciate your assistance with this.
11.45
